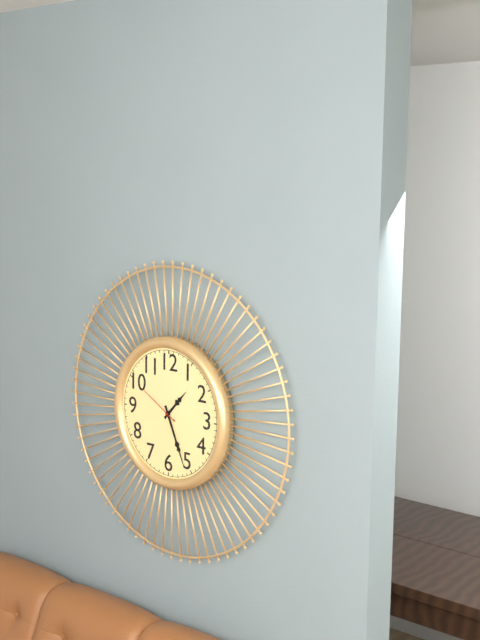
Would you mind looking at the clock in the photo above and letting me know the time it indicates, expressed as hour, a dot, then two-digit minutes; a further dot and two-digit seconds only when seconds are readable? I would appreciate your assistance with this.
1.26.50
